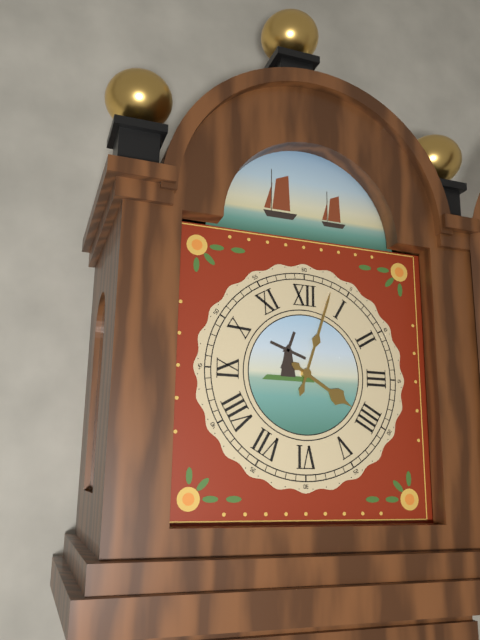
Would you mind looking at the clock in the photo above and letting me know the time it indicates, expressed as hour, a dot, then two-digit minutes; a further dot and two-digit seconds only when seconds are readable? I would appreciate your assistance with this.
4.03
